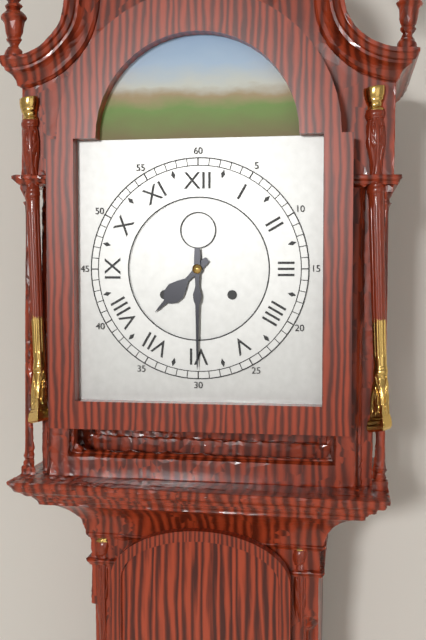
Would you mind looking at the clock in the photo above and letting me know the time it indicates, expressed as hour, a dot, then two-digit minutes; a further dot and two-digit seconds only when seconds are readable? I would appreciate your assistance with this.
7.30
